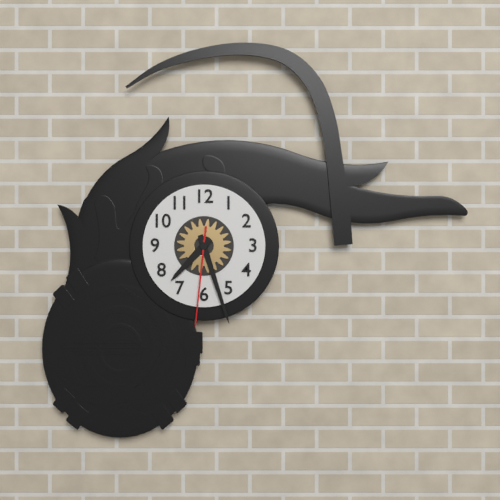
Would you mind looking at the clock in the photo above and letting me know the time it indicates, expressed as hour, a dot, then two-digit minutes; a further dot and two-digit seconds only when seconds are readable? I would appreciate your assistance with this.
7.27.31
